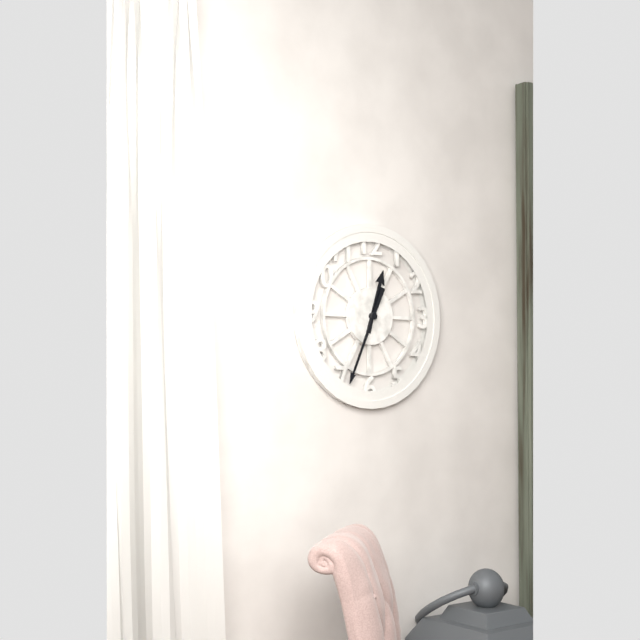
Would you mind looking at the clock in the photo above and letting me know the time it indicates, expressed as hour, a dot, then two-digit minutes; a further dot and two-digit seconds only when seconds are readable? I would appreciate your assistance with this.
12.34
